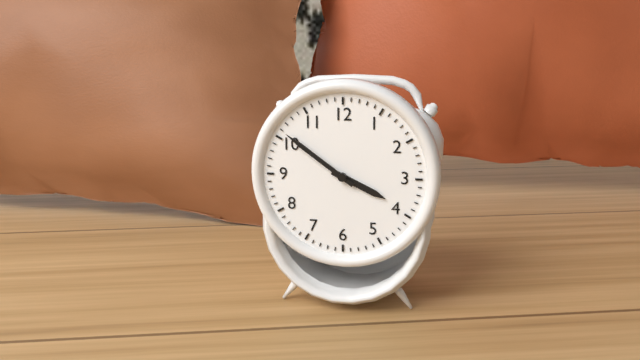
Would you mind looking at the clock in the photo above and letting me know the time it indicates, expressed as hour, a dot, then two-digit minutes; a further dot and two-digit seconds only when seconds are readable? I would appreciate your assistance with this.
3.51
